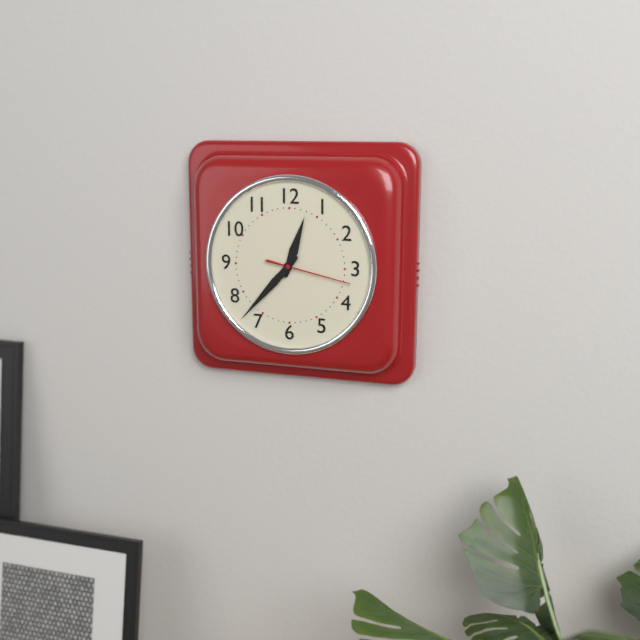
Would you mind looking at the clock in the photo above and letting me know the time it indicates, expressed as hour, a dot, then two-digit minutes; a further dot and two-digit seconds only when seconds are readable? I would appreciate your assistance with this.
12.37.17
